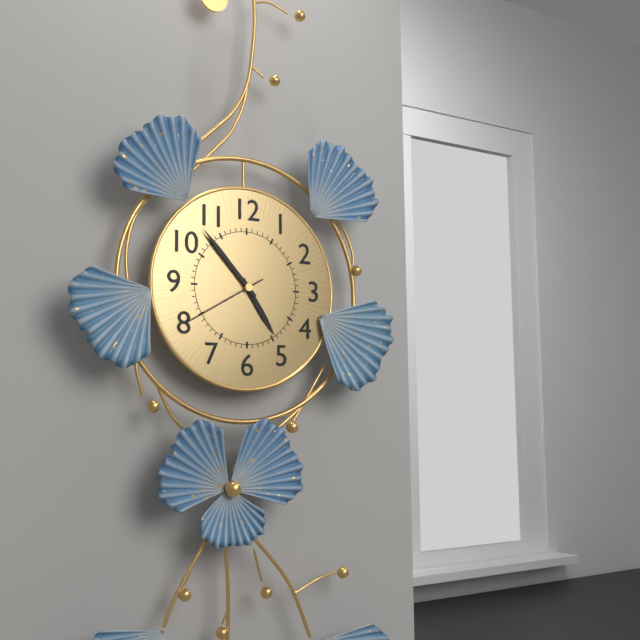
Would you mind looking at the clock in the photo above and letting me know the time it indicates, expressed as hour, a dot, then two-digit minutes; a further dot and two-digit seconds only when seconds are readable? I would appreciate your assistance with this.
4.53.40
